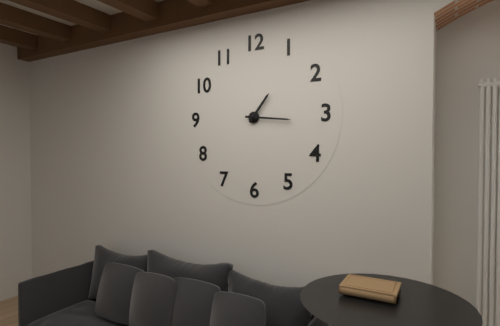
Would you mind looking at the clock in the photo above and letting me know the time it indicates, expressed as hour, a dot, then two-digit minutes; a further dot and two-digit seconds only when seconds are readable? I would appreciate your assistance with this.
1.16
